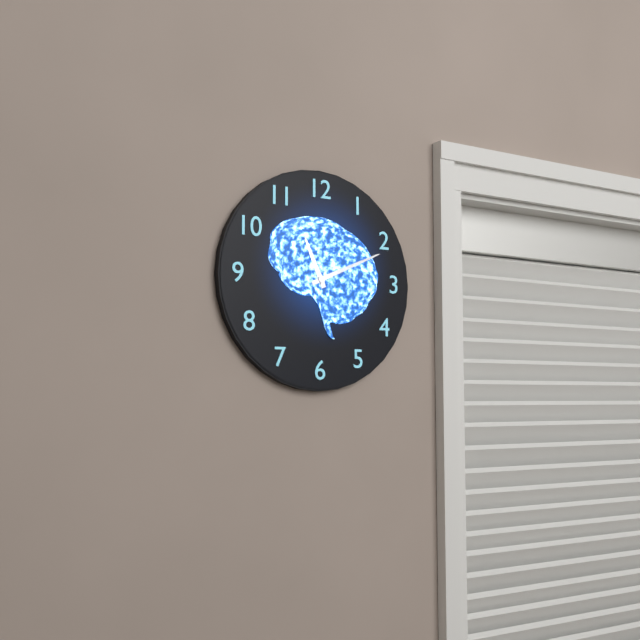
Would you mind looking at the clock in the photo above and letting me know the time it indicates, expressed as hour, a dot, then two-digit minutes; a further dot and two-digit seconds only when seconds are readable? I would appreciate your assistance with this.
11.11
